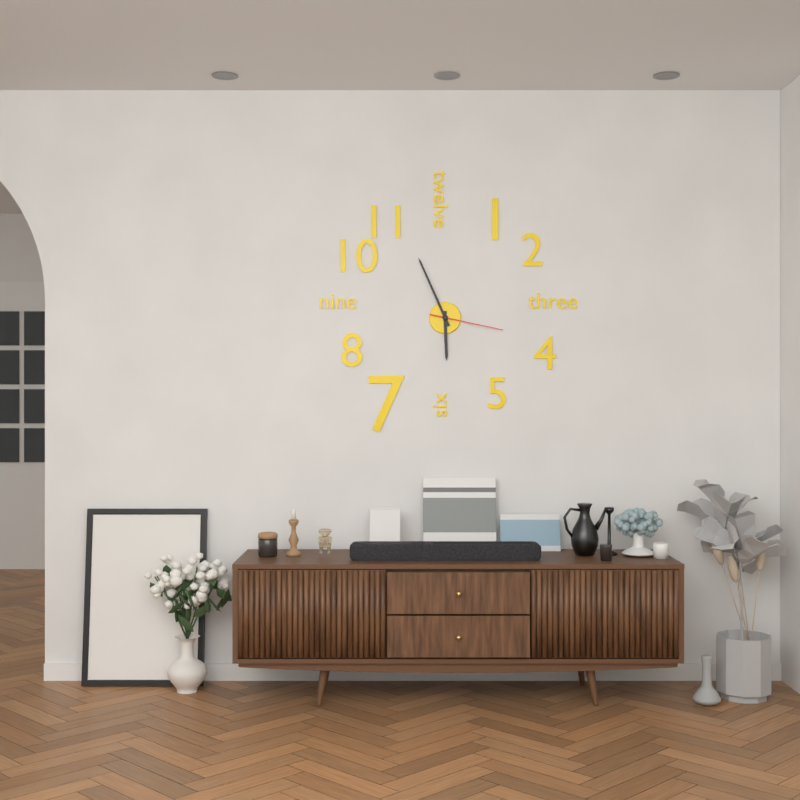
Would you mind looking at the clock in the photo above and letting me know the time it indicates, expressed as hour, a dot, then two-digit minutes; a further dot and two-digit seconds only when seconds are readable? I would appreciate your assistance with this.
5.56.17
